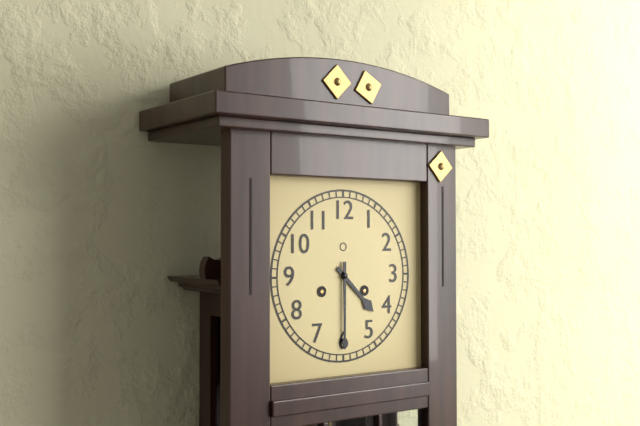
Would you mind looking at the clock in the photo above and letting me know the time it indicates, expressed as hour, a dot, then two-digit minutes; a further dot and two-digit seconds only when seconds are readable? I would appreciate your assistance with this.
4.30
